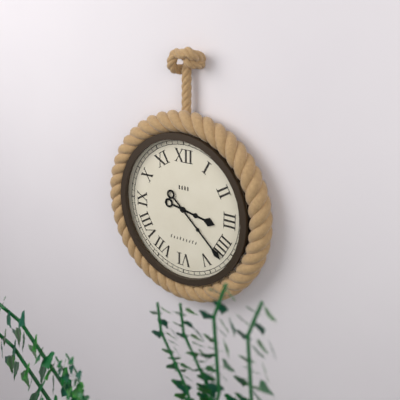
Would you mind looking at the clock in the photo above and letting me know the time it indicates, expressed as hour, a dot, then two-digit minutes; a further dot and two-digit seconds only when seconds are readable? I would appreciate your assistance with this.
3.22
